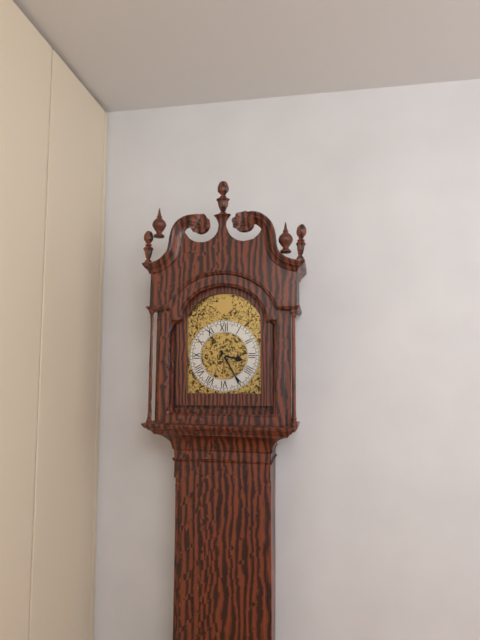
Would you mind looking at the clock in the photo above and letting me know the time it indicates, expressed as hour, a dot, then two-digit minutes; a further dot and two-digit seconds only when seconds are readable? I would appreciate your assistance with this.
3.25
